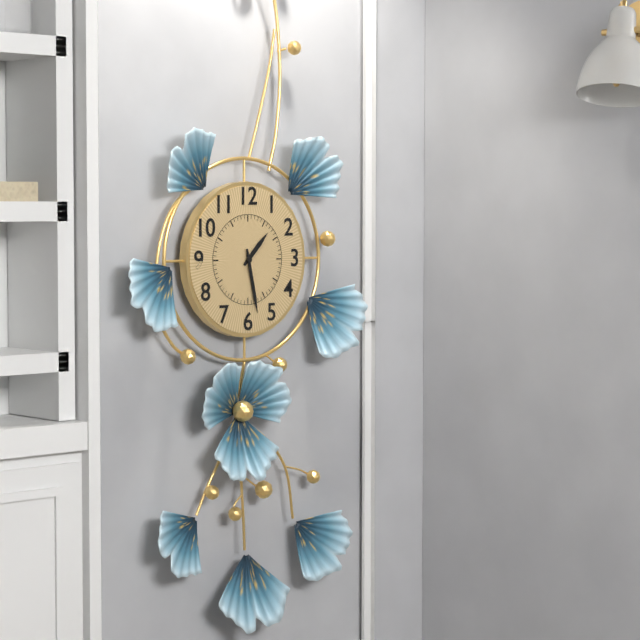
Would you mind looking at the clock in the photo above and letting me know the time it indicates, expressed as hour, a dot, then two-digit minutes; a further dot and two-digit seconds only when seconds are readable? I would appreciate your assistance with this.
1.28
